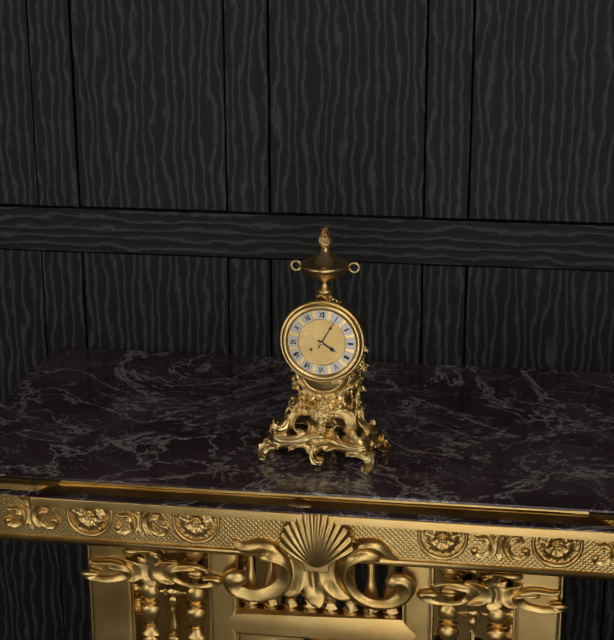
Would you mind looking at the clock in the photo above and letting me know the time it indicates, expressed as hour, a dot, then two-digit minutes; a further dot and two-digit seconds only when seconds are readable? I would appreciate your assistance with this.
4.05
